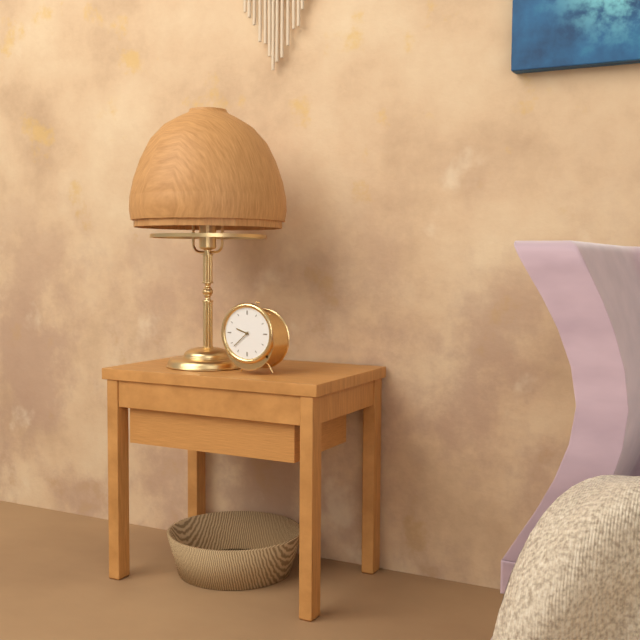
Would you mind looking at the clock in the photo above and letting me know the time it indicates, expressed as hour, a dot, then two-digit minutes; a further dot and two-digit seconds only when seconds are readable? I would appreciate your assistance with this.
9.38
